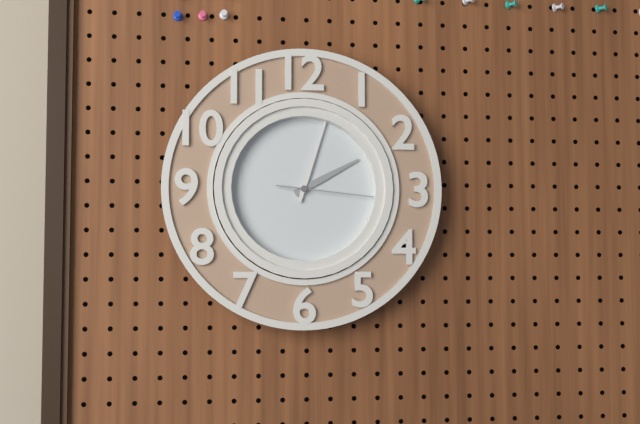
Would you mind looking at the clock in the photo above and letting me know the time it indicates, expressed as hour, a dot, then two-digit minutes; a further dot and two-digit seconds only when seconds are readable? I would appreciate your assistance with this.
2.03.16
